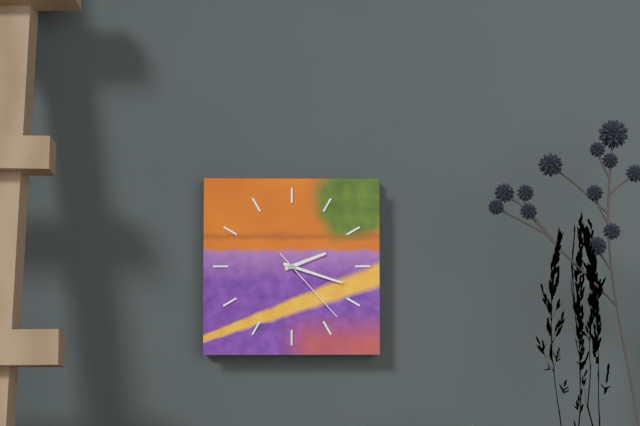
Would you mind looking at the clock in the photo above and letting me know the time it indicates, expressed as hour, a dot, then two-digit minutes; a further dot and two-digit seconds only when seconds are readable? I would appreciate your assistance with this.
2.18.23
